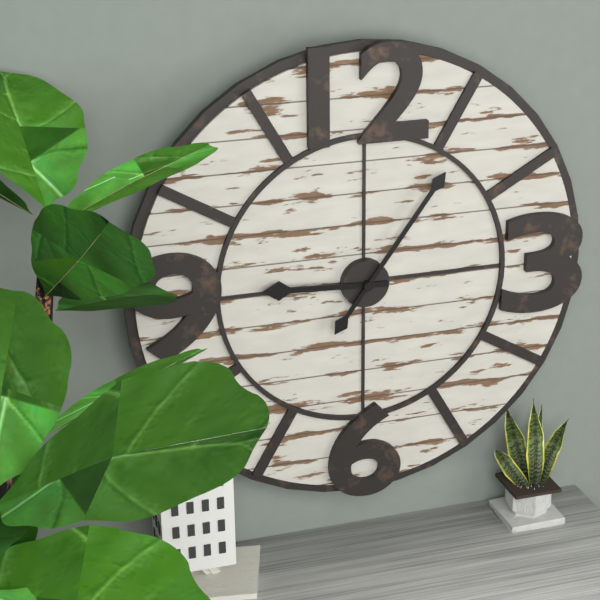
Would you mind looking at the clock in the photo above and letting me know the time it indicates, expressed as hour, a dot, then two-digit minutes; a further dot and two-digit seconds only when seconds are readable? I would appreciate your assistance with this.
9.06
